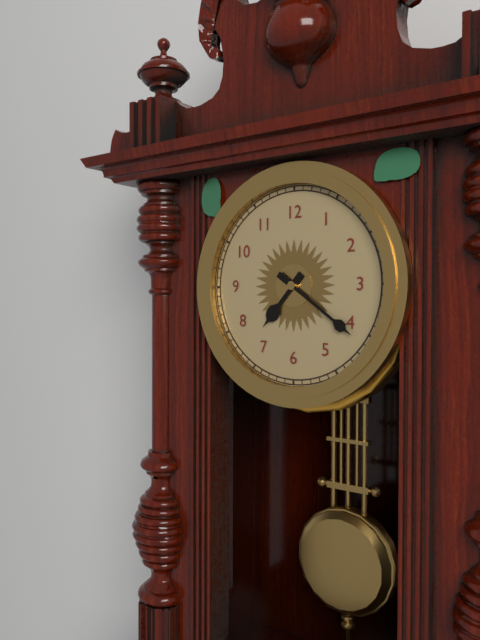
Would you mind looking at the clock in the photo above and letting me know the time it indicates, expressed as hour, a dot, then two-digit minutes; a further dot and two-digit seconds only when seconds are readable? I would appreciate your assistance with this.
7.21
